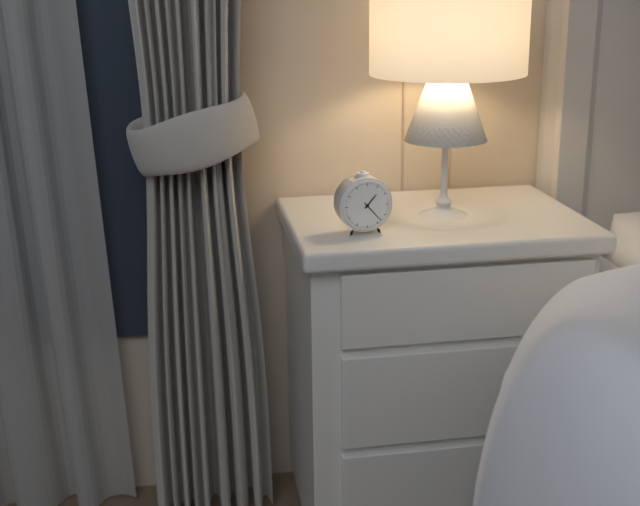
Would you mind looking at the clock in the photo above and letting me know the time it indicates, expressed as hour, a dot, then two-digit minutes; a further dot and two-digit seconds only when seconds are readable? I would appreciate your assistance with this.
1.23
